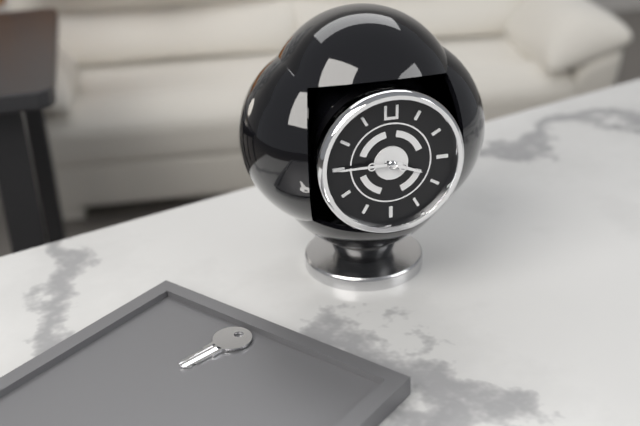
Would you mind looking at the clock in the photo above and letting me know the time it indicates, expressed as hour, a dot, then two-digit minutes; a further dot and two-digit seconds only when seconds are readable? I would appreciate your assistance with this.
3.45
